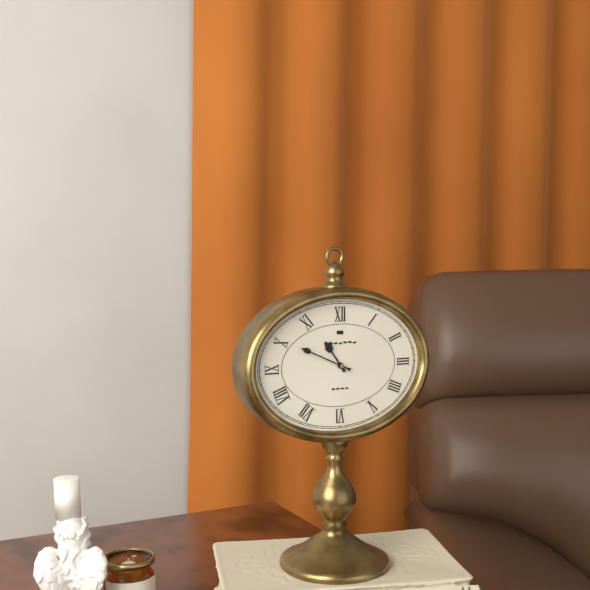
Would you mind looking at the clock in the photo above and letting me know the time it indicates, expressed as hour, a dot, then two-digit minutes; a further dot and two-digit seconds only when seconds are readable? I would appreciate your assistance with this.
10.49
